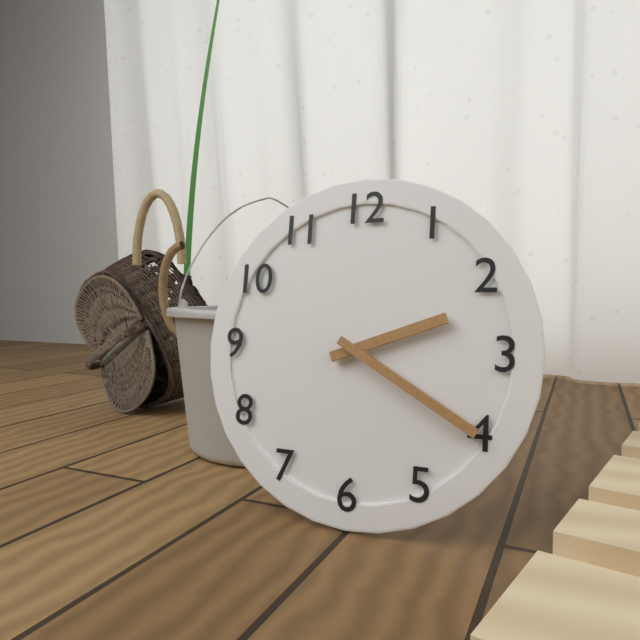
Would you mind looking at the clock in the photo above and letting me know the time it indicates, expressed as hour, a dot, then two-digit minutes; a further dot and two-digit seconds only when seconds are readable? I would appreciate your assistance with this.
2.20
